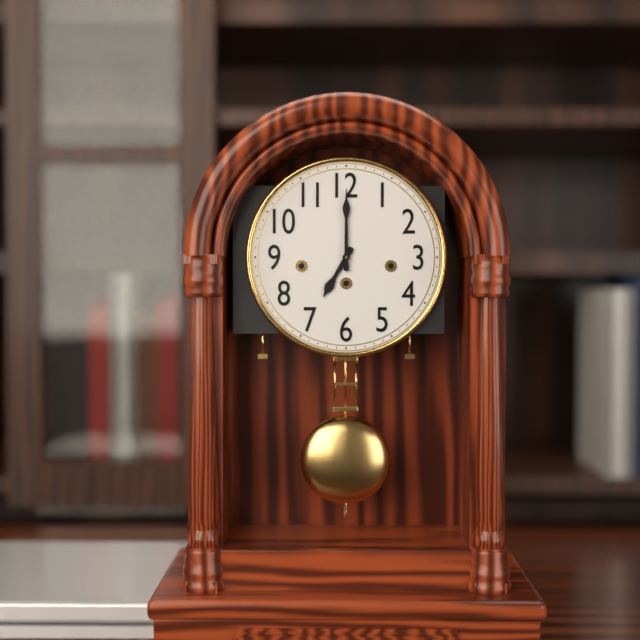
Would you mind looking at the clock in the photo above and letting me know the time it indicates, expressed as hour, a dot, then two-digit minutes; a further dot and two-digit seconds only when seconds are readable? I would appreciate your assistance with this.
7.00
